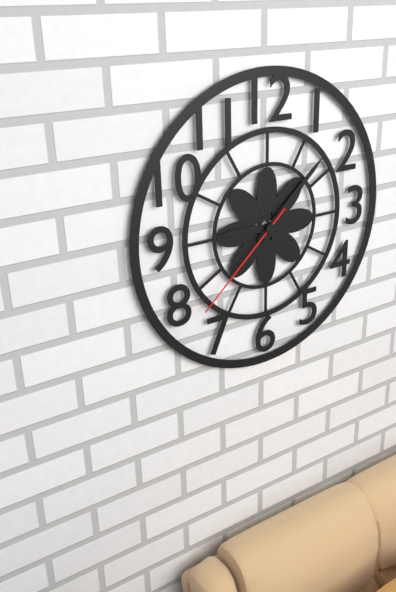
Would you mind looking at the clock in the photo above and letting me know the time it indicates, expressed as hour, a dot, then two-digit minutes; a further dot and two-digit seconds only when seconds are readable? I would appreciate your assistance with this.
9.08.38
